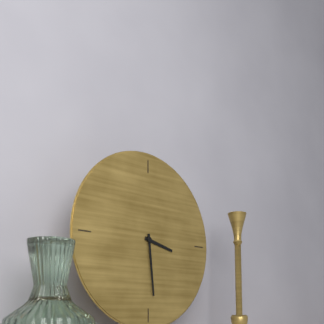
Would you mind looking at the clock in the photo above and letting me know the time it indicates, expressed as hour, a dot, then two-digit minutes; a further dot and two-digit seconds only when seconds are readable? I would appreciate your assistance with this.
3.29
